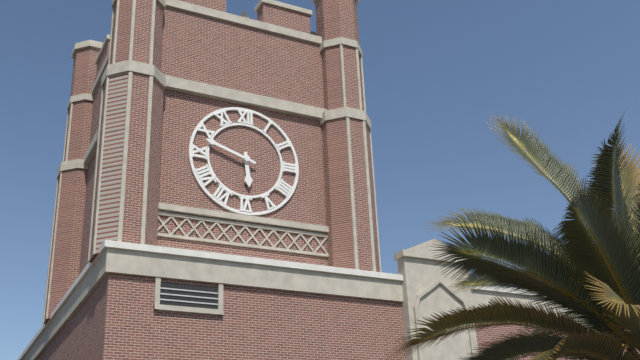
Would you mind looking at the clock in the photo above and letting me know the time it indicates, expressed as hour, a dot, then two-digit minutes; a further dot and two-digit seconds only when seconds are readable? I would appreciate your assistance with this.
5.48
